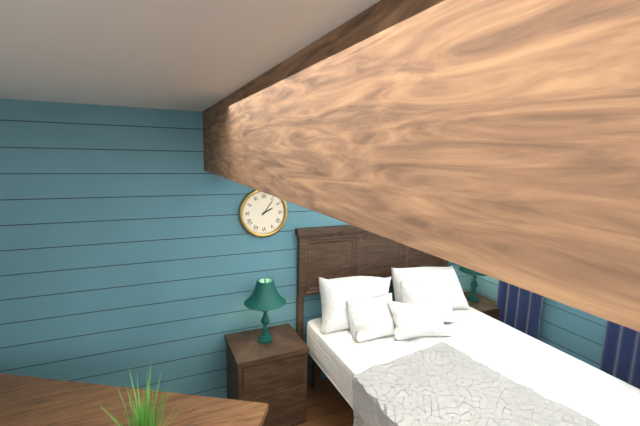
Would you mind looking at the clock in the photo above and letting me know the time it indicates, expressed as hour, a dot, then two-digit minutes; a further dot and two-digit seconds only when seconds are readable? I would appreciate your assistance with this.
2.06
